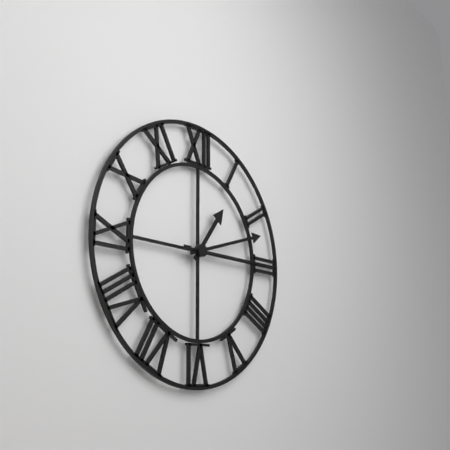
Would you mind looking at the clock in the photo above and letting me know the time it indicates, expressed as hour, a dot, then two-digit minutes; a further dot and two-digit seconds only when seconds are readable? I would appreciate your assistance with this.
1.12.15
